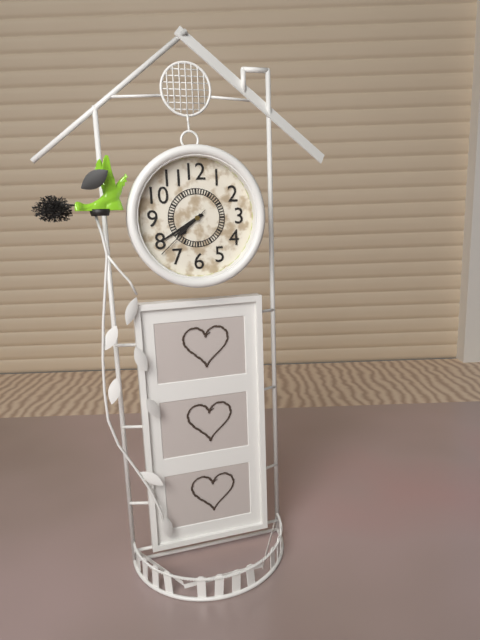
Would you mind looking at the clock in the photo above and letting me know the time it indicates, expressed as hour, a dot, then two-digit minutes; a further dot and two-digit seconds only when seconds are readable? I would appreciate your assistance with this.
7.40.38
